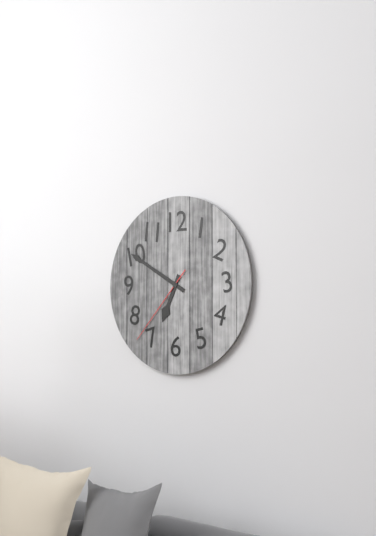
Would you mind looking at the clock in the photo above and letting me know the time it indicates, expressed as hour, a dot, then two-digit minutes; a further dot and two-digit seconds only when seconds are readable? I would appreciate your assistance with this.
6.50.37
